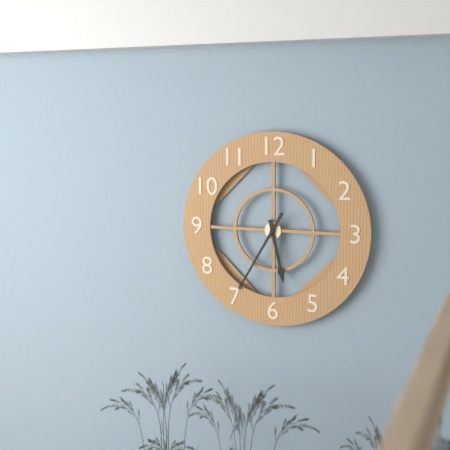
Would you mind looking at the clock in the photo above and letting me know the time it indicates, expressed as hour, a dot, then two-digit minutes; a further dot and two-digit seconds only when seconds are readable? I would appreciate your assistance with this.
5.35
